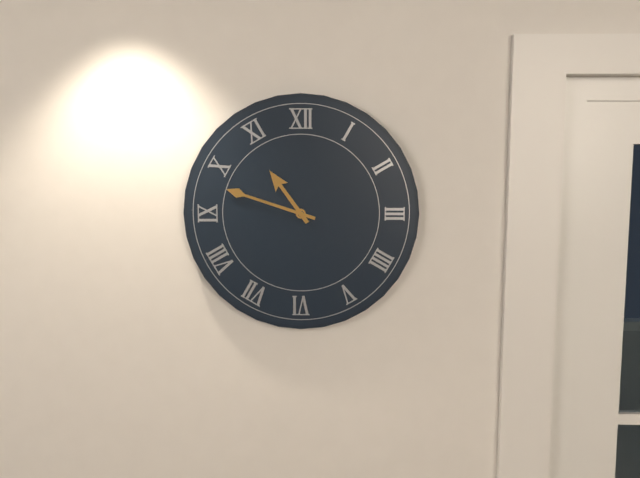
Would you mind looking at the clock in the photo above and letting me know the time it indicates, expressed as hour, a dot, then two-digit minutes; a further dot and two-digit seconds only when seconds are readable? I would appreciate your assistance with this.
10.48
